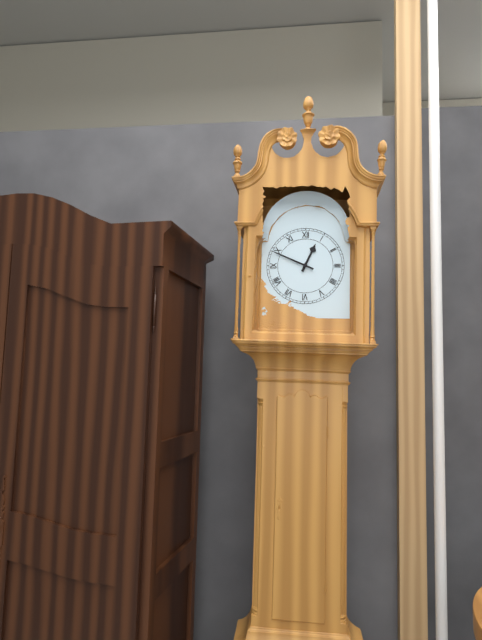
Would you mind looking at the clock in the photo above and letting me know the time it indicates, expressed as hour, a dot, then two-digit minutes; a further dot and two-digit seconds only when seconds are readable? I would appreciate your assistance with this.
12.49
